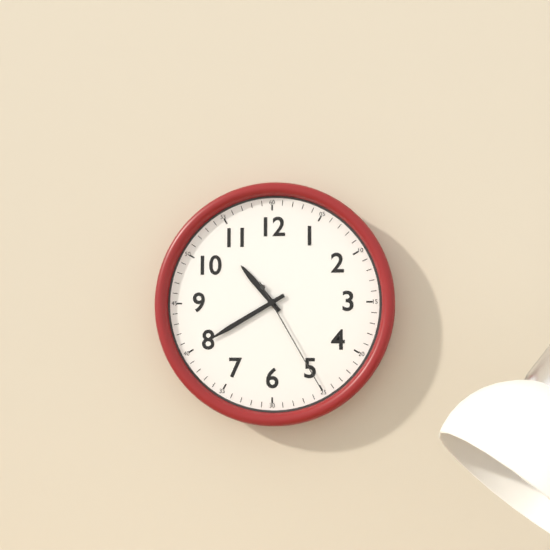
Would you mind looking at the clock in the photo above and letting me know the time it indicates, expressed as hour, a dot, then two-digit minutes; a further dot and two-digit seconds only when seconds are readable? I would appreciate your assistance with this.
10.40.25
